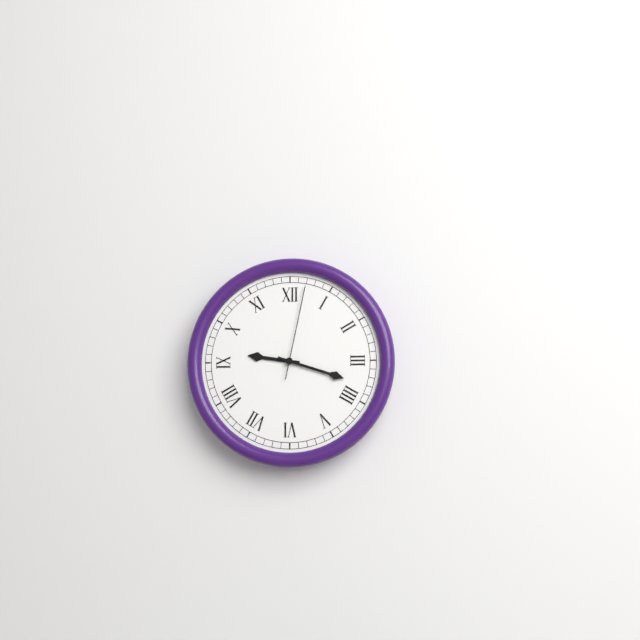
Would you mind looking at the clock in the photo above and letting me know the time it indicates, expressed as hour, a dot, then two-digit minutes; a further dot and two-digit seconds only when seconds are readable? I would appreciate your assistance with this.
9.18.02
